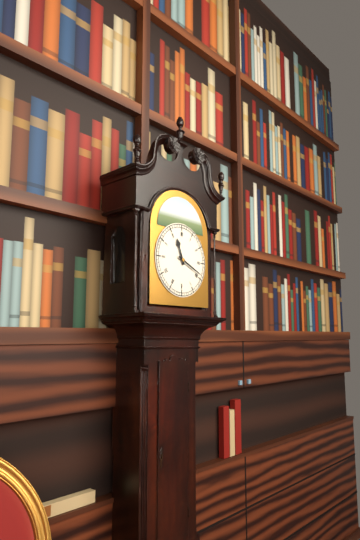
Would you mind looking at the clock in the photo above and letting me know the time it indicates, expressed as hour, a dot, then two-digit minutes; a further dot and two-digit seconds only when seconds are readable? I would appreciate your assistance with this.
11.19
